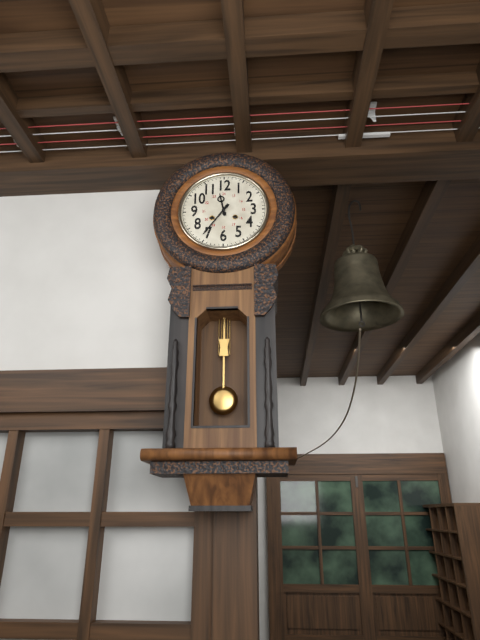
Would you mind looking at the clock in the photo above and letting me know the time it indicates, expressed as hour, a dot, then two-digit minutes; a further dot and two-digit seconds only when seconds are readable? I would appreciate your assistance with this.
11.36
